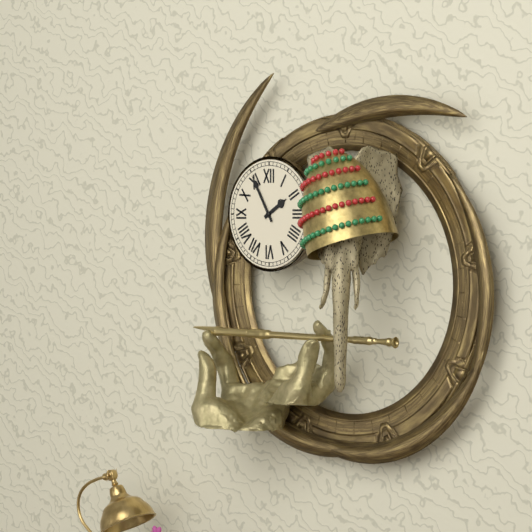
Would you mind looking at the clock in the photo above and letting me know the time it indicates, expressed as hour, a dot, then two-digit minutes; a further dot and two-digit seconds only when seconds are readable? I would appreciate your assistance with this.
1.55
